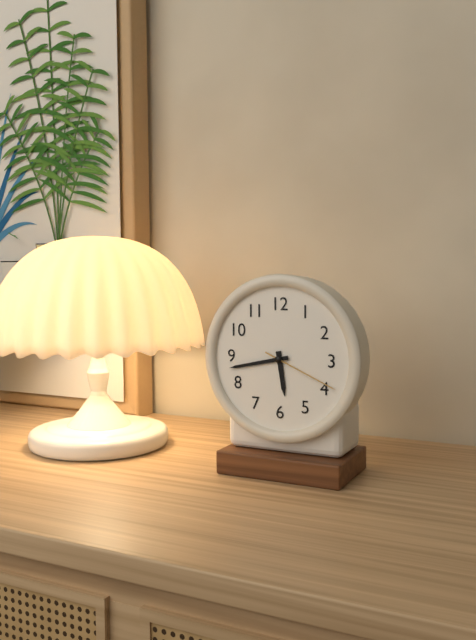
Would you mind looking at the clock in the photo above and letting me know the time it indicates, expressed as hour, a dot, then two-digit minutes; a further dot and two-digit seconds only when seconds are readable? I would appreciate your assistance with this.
5.43.19
